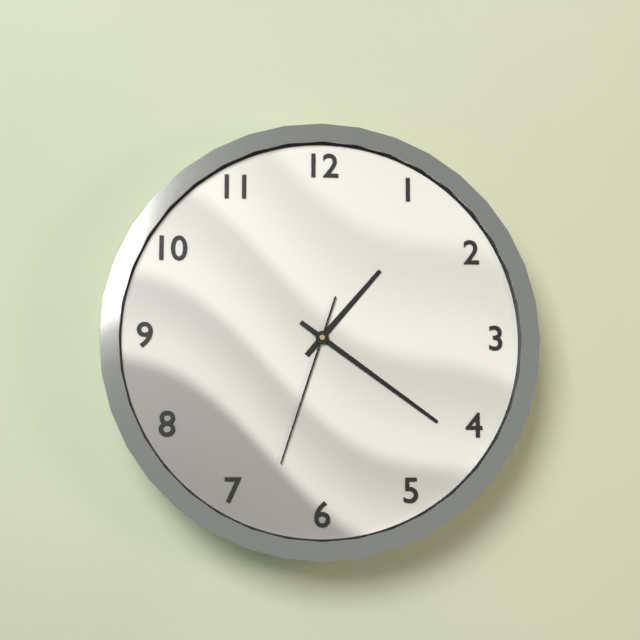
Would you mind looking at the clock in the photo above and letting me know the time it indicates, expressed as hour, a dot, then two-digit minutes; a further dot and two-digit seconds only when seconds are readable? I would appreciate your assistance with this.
1.21.33
